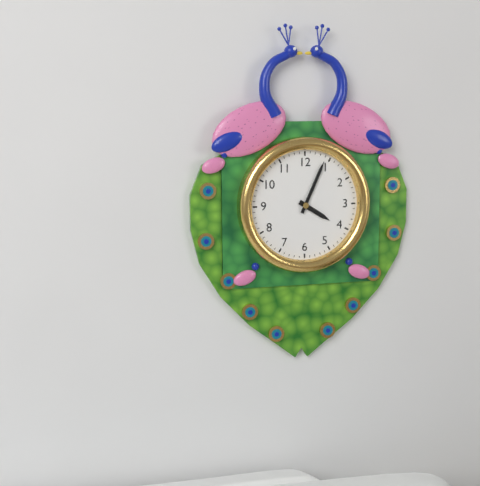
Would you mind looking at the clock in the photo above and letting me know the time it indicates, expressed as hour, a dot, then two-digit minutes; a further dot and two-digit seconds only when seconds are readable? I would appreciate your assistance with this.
4.04
